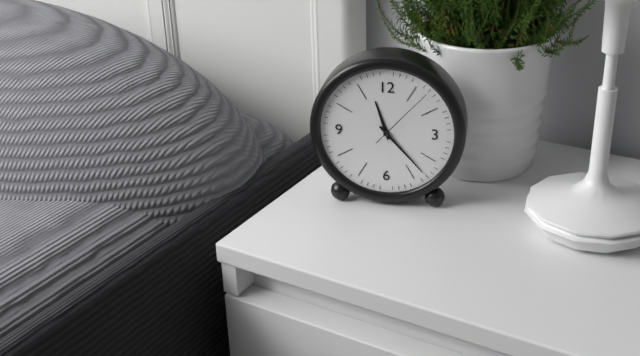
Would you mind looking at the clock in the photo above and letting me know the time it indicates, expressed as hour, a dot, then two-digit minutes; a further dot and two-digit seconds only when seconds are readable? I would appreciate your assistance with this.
11.23.07
